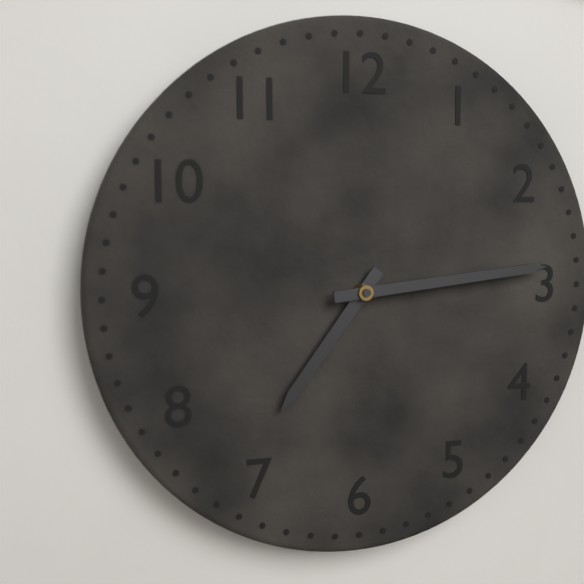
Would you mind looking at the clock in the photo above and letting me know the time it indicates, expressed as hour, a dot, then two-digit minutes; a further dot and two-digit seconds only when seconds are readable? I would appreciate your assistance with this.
7.14
